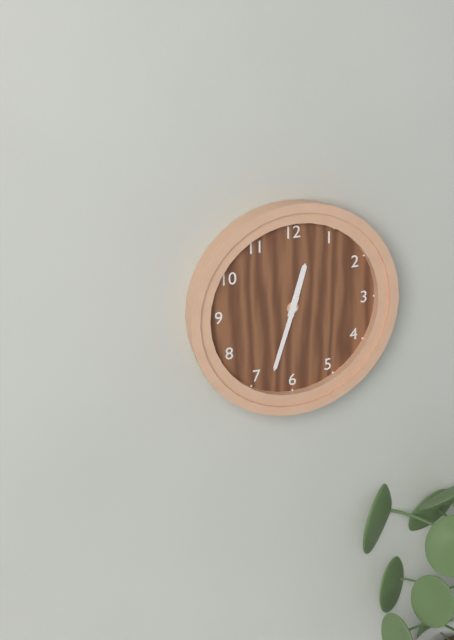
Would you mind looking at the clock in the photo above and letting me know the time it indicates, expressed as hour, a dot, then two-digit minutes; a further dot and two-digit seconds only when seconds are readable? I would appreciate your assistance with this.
12.33
